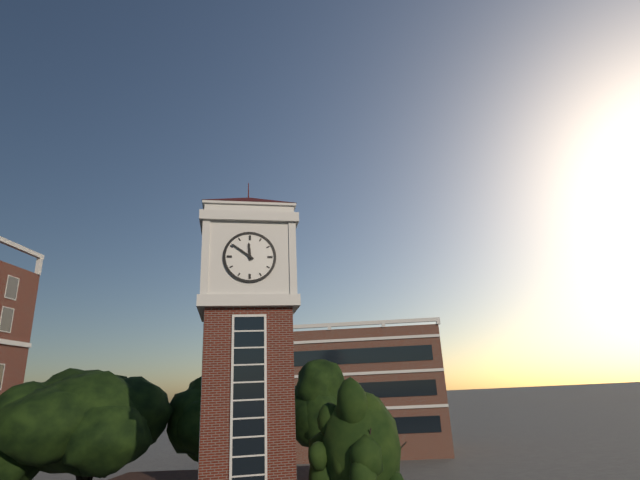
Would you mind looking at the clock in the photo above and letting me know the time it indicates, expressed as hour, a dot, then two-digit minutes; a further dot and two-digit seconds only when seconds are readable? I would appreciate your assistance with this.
11.51
